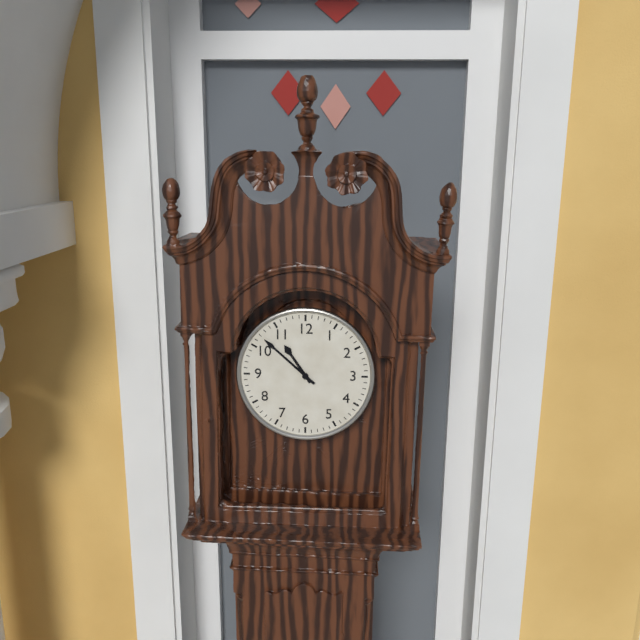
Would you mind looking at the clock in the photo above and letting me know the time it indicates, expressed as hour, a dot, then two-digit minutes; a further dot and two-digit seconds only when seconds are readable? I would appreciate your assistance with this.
10.52
